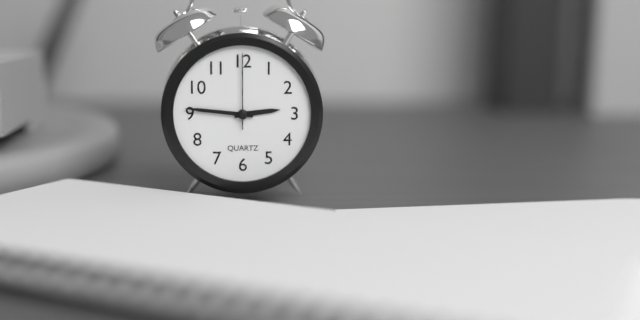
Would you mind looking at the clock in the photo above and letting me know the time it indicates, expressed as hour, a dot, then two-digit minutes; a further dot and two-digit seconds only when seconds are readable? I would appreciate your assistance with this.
2.46.00
